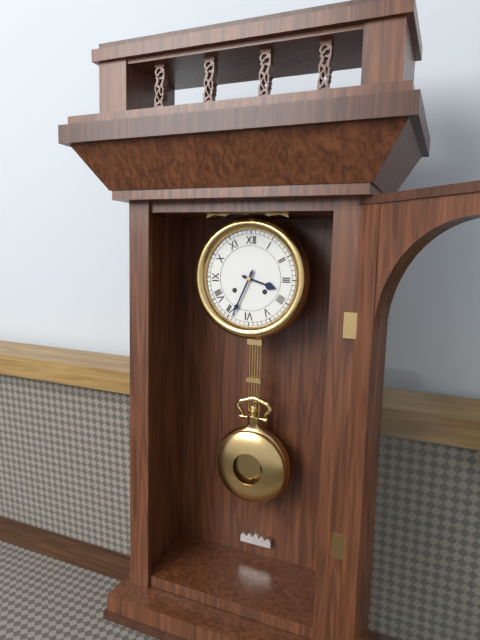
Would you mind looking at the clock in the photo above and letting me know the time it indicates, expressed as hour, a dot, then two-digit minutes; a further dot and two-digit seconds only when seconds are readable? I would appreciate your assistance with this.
3.34
